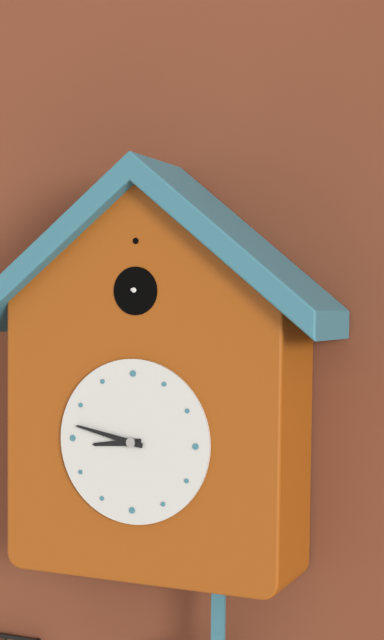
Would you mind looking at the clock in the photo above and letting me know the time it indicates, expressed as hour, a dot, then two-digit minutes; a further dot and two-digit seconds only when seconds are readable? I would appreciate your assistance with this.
8.47
